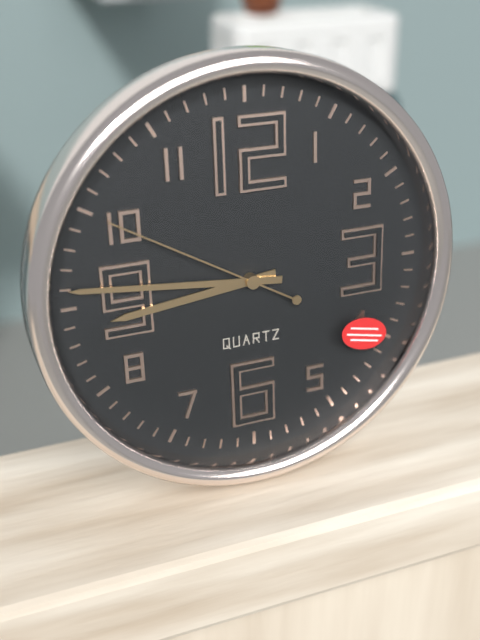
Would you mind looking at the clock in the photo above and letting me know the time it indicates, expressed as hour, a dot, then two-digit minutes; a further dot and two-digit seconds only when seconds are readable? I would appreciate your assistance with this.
8.46.50
